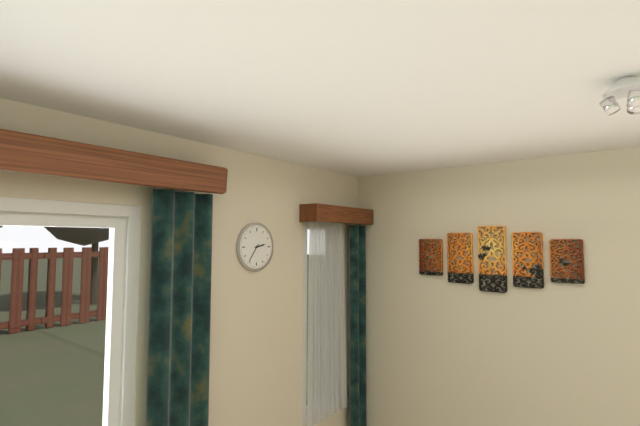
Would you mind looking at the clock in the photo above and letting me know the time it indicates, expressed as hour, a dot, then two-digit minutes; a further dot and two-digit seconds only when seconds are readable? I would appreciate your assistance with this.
2.36
